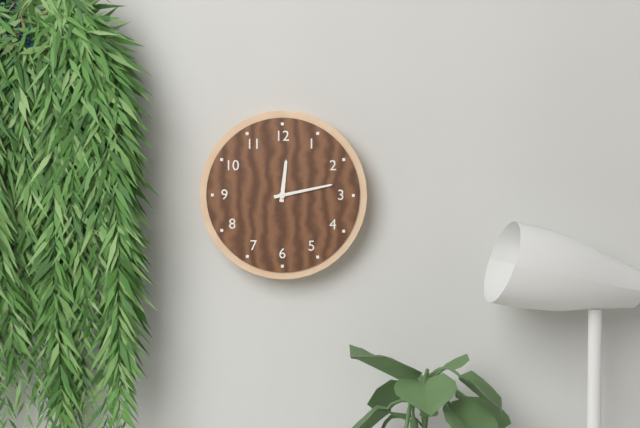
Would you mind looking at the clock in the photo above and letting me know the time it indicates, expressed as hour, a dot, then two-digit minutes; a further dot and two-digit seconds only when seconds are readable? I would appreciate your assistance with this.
12.13
